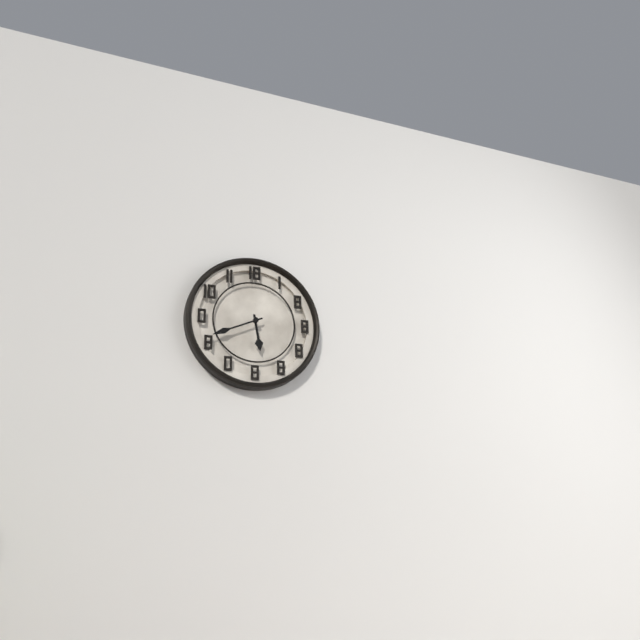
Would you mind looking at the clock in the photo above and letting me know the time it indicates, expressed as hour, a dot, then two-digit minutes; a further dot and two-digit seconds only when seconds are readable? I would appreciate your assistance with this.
5.41
